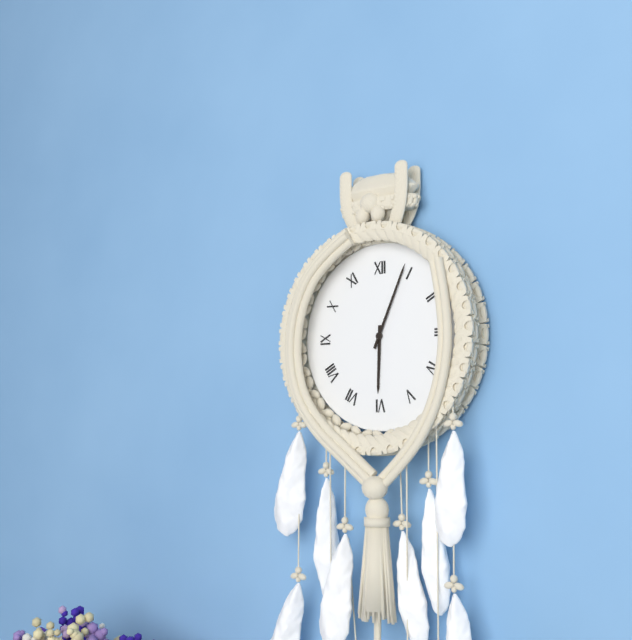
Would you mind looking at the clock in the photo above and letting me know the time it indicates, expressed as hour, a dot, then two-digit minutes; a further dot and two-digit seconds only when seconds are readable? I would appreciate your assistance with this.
6.04
